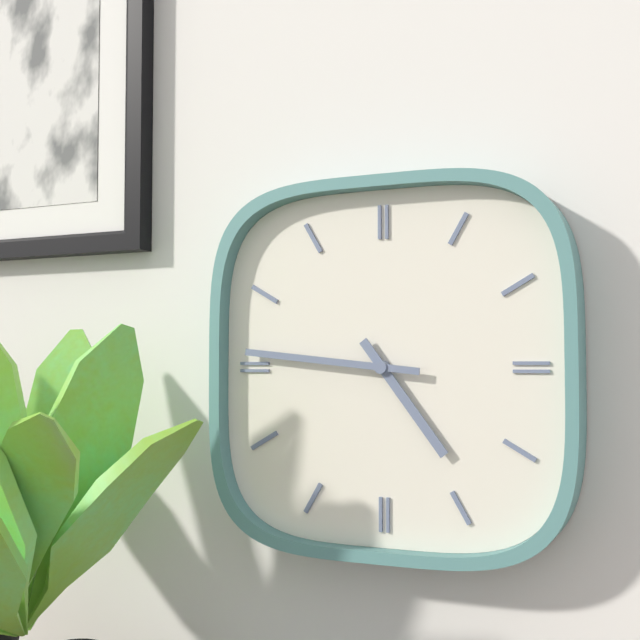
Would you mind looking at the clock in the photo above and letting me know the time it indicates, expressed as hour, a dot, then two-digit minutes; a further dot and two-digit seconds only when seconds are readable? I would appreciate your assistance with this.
4.46
